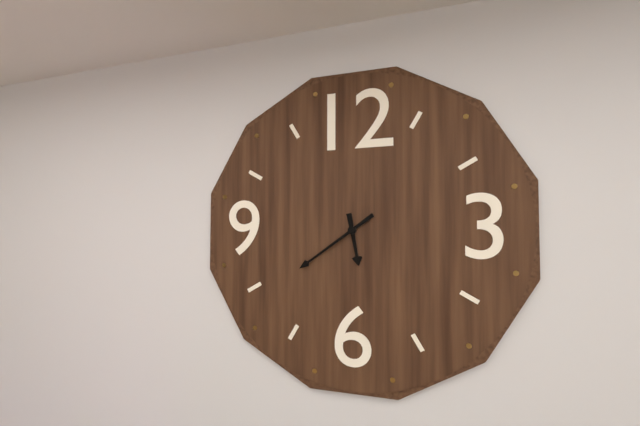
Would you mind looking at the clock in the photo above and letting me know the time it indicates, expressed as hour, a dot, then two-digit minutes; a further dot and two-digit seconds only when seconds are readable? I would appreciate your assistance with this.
5.39
